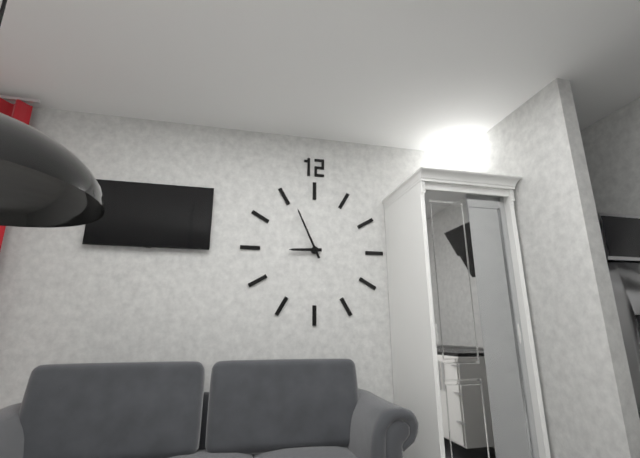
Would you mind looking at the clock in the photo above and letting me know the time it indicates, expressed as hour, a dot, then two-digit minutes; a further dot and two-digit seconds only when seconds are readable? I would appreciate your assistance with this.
8.56
